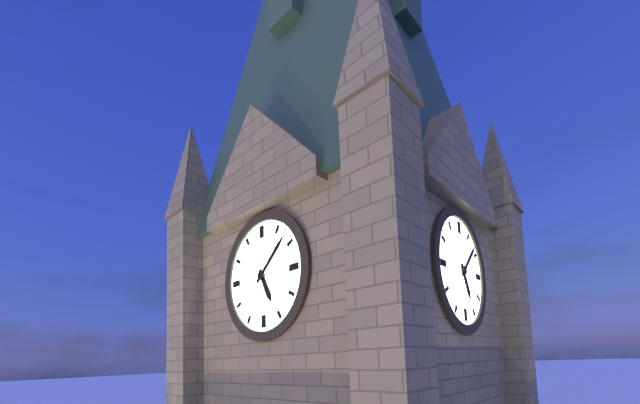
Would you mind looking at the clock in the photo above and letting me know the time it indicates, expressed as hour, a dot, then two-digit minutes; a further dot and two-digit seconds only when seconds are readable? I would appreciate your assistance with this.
5.08
